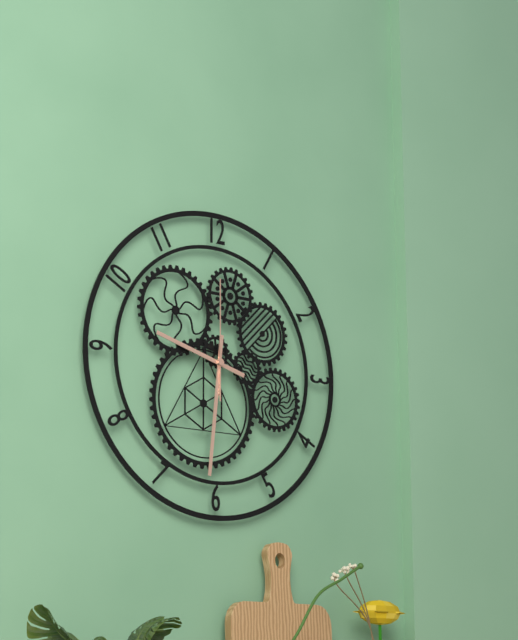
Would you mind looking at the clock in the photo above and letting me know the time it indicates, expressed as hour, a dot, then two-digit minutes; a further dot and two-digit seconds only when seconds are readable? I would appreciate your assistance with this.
9.31.00
